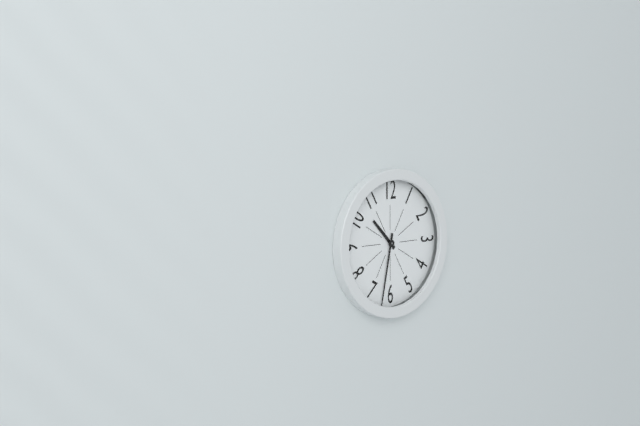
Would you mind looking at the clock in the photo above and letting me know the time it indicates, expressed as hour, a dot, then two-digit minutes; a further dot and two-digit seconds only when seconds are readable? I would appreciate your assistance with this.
10.32
